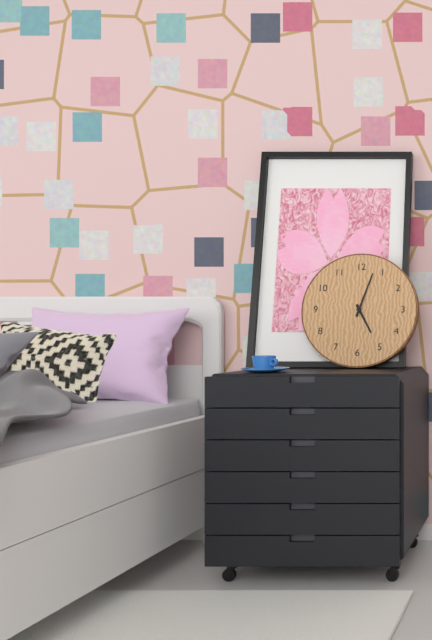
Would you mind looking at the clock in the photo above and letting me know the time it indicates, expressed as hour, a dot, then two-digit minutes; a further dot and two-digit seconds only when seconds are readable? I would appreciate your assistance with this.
5.03
